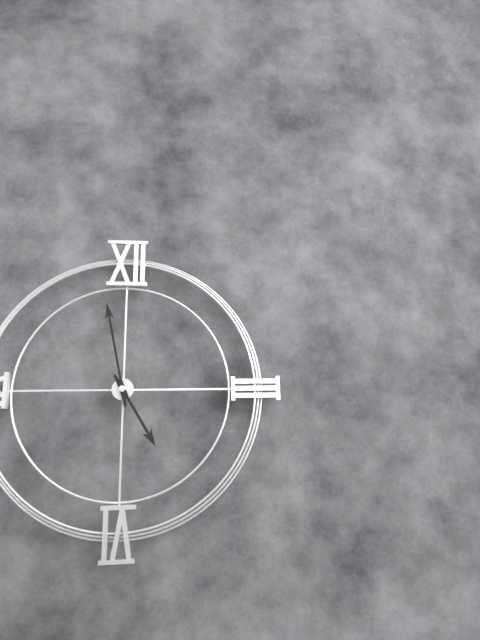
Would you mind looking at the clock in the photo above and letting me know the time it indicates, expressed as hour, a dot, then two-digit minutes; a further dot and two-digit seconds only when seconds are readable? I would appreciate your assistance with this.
4.58
